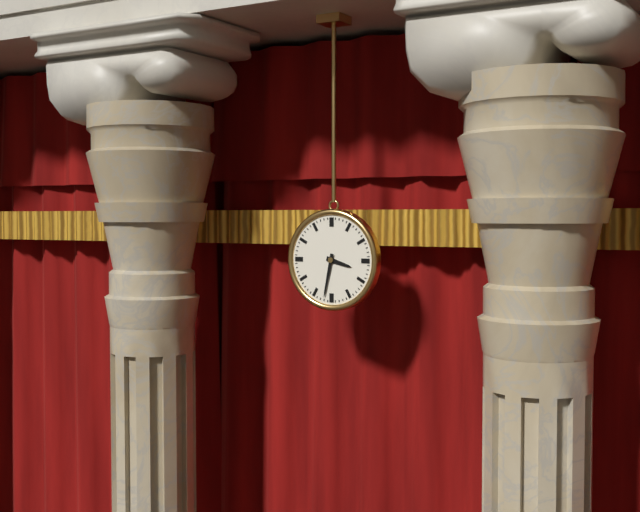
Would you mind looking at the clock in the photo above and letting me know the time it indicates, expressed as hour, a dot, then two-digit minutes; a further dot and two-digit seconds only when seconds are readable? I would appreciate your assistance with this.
3.32
